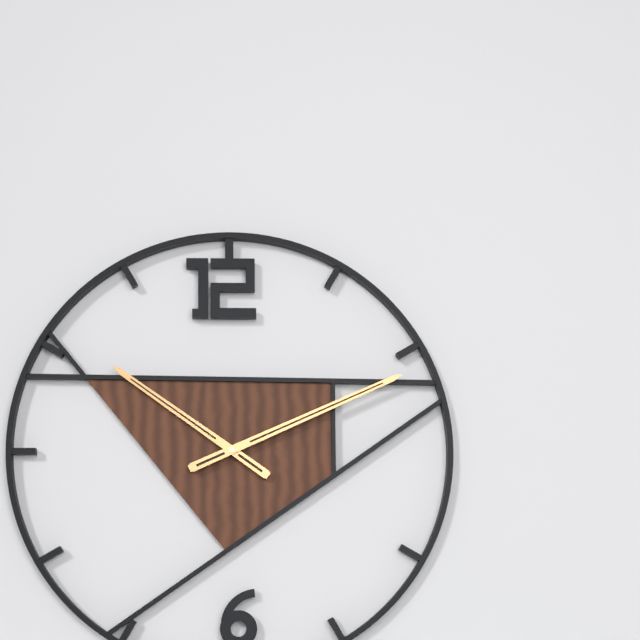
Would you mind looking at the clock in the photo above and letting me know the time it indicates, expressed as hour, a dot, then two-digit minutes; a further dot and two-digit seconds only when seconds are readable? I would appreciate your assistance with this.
10.11
